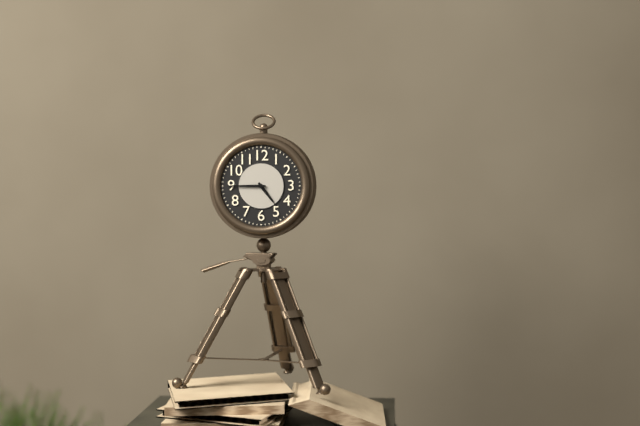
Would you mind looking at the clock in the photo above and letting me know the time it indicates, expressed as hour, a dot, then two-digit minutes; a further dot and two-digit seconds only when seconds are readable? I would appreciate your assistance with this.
4.45
